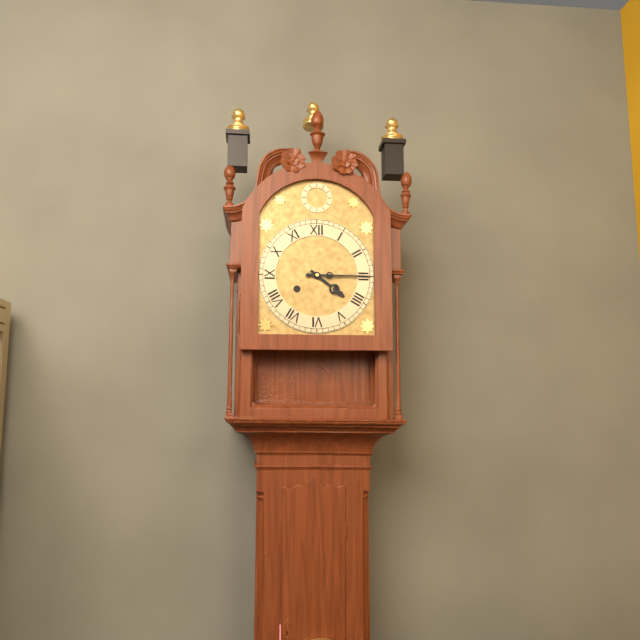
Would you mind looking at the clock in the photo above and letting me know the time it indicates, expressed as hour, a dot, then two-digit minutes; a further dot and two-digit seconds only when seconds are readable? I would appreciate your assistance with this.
4.15
